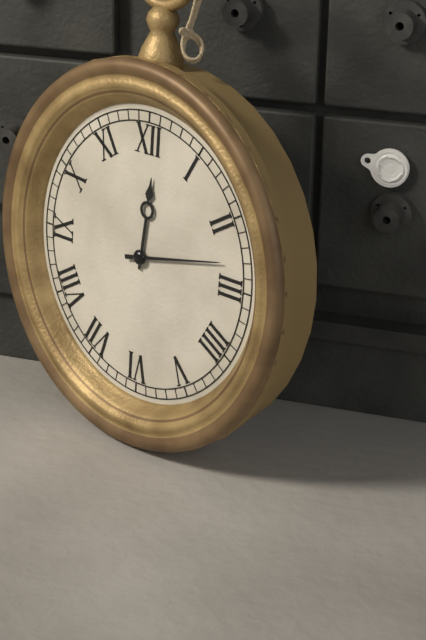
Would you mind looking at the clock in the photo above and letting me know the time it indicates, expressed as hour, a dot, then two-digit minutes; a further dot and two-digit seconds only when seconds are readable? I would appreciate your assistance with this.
12.13
